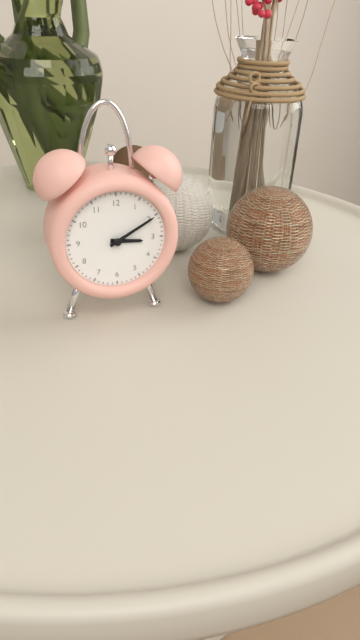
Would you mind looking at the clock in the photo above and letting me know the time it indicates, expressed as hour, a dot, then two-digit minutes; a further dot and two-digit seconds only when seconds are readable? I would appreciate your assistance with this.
3.10
